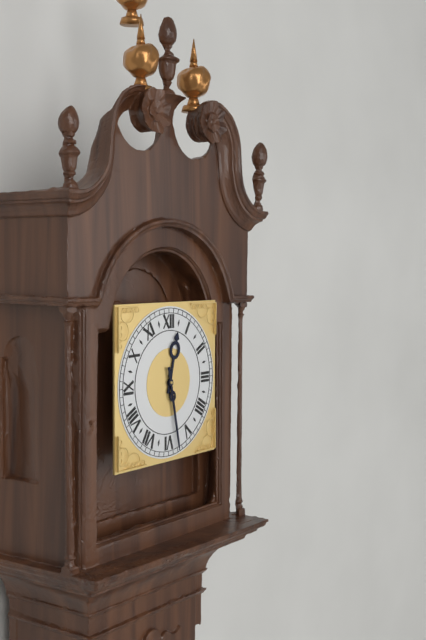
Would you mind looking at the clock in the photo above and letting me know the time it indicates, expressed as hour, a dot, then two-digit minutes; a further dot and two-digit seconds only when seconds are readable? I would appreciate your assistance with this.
12.28
